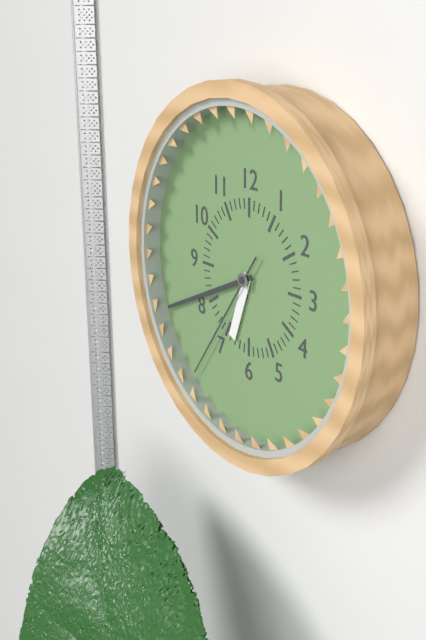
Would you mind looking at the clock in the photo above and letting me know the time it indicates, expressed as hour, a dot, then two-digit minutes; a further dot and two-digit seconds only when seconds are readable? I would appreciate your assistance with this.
6.41.36
